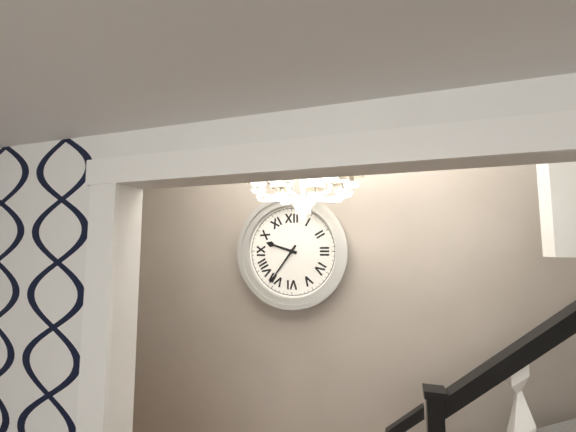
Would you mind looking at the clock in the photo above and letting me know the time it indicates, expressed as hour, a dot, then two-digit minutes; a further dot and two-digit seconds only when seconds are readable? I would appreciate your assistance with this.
9.36
